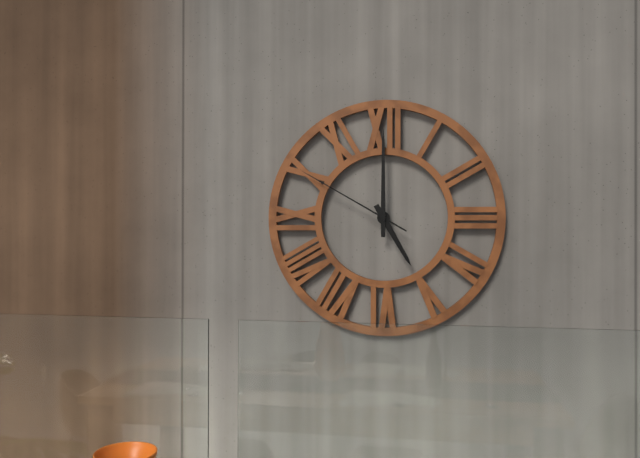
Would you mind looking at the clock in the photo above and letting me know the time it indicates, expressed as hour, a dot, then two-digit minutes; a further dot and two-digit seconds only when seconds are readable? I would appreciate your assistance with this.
5.00.50
